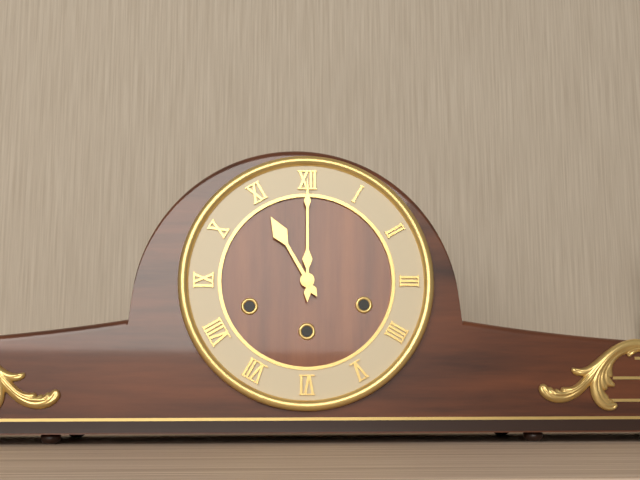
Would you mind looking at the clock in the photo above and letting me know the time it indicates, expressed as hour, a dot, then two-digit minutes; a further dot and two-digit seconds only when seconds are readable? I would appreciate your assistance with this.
11.00
